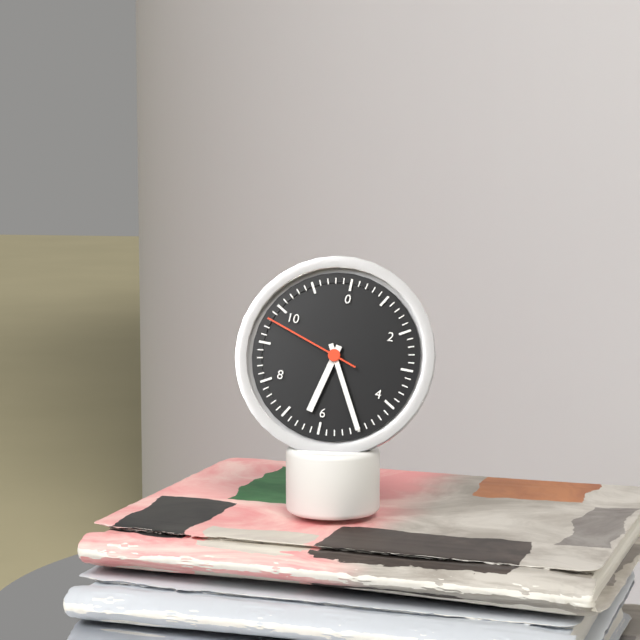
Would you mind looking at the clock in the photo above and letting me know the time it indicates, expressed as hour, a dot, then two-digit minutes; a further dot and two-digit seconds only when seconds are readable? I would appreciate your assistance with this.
6.25.48
